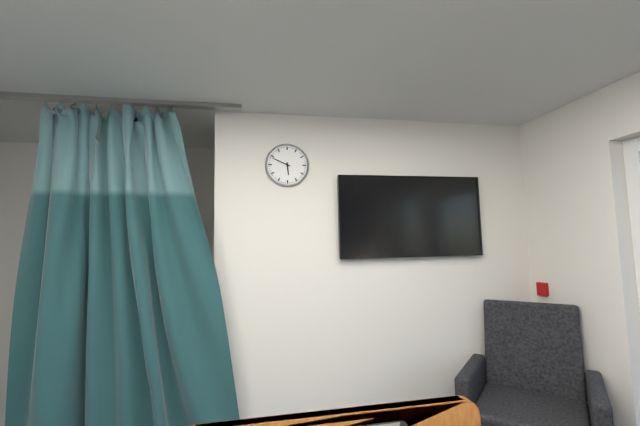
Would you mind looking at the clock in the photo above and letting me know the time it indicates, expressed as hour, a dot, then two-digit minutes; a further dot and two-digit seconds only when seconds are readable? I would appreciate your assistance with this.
5.49
